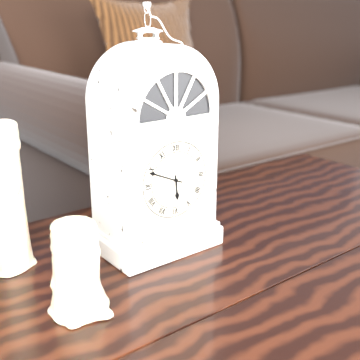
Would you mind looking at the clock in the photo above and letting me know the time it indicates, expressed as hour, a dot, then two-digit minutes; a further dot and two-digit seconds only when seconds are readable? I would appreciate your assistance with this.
5.49
